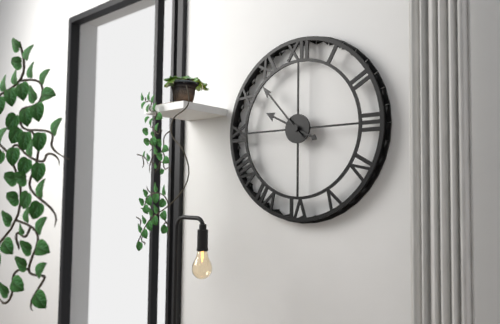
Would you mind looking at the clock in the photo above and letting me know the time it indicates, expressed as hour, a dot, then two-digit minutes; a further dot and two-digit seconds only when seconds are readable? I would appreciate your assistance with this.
9.53
